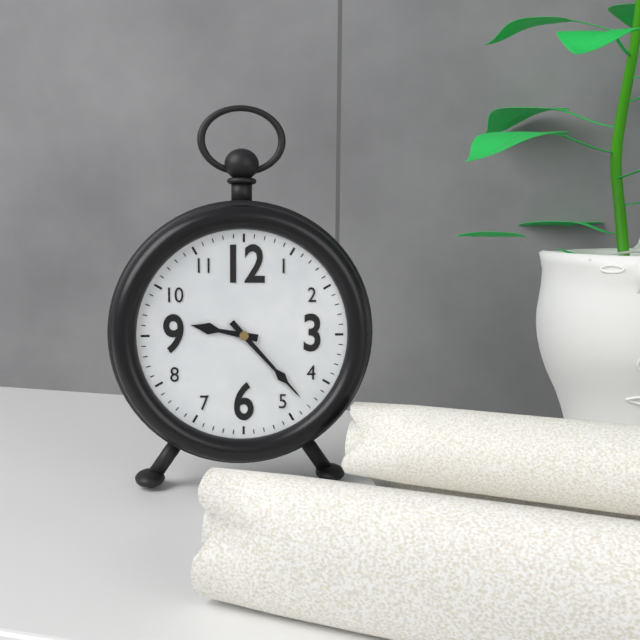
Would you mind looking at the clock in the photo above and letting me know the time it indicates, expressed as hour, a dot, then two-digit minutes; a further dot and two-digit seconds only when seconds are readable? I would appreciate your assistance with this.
9.23
